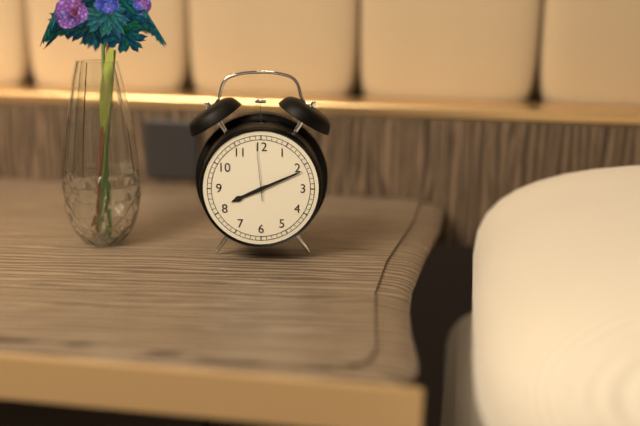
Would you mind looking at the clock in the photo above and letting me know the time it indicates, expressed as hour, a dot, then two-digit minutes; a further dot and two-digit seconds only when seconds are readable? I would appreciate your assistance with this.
8.11.59
